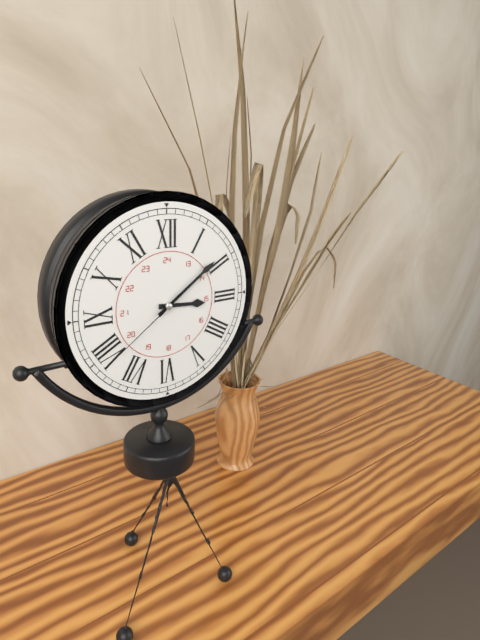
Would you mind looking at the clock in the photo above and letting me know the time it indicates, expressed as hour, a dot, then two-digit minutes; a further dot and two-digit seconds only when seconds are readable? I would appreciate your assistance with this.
3.09.39
